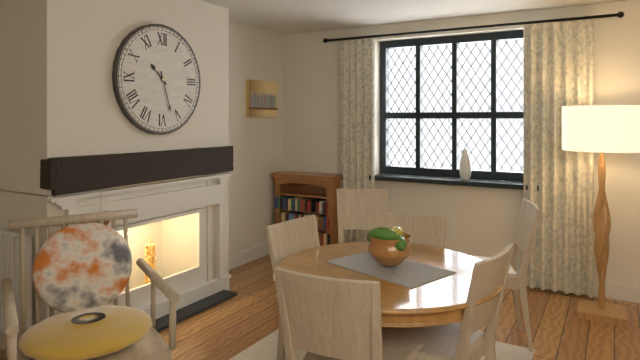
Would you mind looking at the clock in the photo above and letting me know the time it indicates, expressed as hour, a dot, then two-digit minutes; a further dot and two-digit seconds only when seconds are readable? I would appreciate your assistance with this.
10.27
